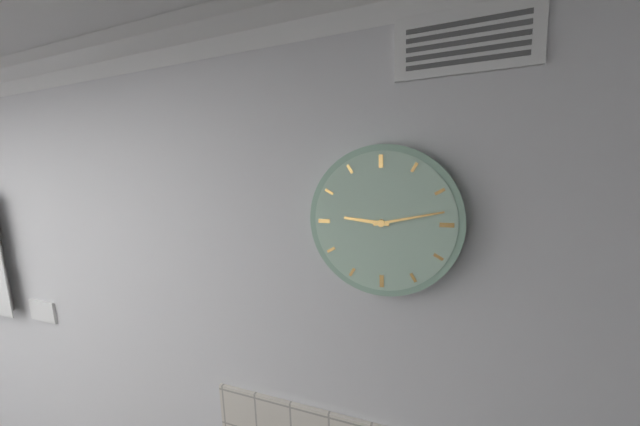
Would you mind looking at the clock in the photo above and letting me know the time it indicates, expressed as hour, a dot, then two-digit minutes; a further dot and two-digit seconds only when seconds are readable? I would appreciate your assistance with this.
9.13
